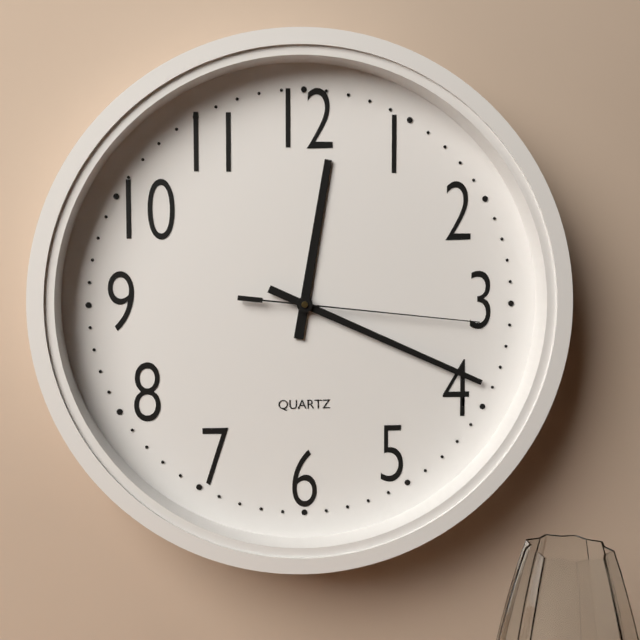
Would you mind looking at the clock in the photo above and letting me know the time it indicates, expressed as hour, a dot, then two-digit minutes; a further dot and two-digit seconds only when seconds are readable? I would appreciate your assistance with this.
12.19.16
